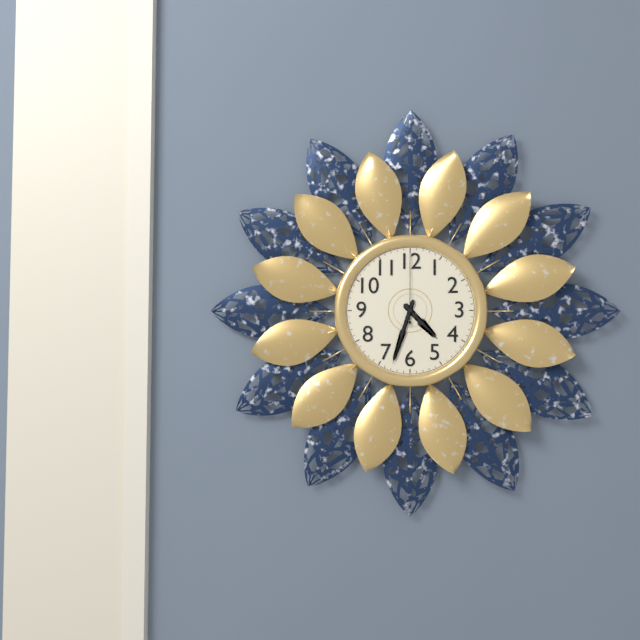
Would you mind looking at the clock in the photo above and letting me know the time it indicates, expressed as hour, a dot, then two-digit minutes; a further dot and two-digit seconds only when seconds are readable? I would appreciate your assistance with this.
4.33.00
